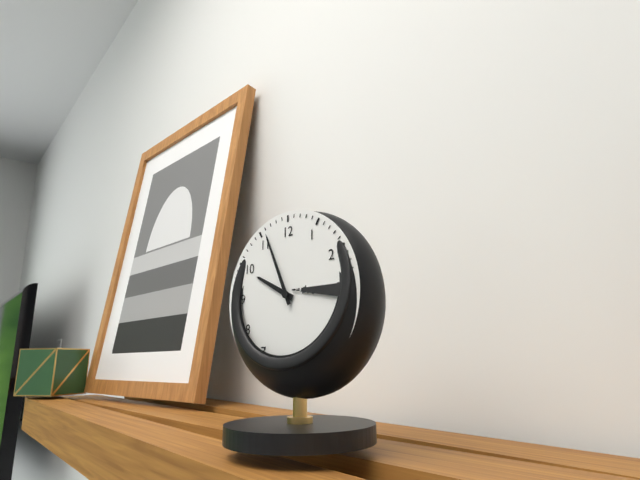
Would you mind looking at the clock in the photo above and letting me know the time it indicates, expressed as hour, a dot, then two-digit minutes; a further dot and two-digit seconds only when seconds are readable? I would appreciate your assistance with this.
9.56
